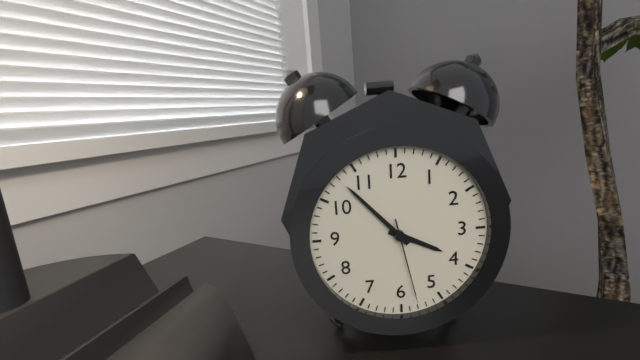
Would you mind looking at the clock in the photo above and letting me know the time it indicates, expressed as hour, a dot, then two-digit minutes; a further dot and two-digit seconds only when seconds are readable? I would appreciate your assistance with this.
3.53.28
